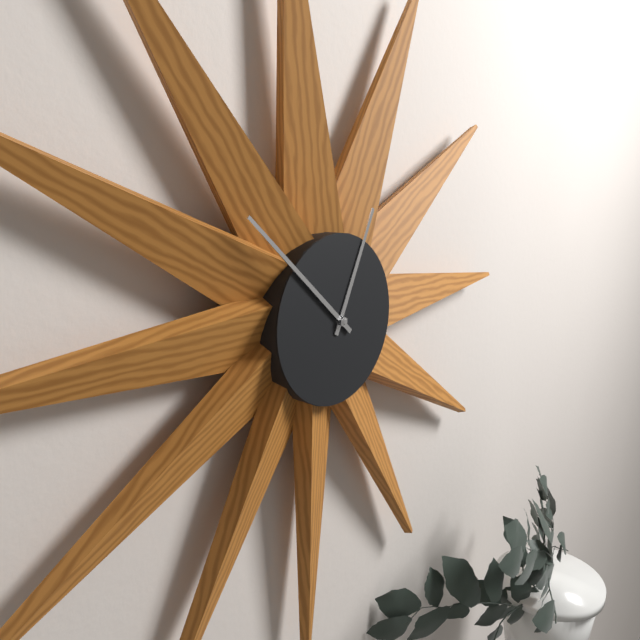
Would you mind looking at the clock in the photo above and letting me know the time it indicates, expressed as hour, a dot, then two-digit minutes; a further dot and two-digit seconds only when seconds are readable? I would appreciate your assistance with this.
12.52
